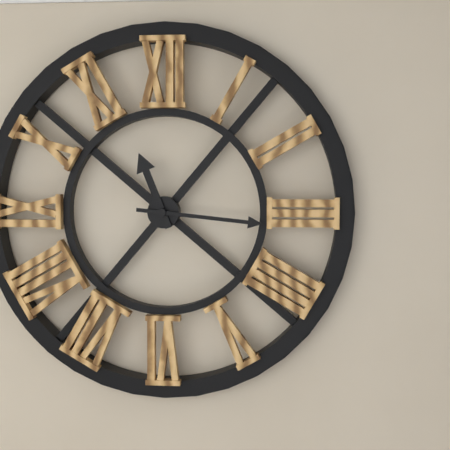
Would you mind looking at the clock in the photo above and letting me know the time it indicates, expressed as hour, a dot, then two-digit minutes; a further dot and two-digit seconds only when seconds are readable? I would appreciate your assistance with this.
11.16
